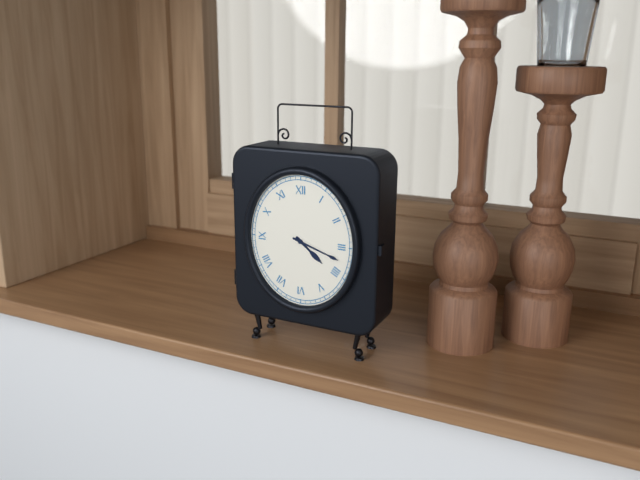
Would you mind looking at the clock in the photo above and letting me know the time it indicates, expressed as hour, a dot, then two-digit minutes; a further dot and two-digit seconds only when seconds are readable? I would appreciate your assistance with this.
4.18
